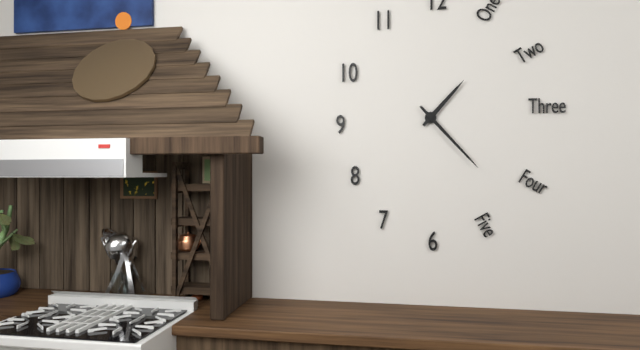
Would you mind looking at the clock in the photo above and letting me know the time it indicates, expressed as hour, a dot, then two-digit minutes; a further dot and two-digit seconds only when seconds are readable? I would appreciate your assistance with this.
1.23
